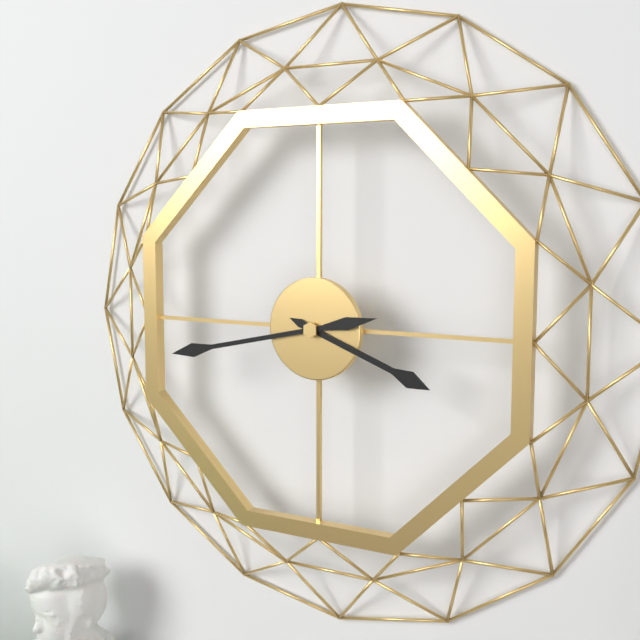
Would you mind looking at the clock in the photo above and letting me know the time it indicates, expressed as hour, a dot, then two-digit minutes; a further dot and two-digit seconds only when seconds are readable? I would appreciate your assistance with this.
3.43
